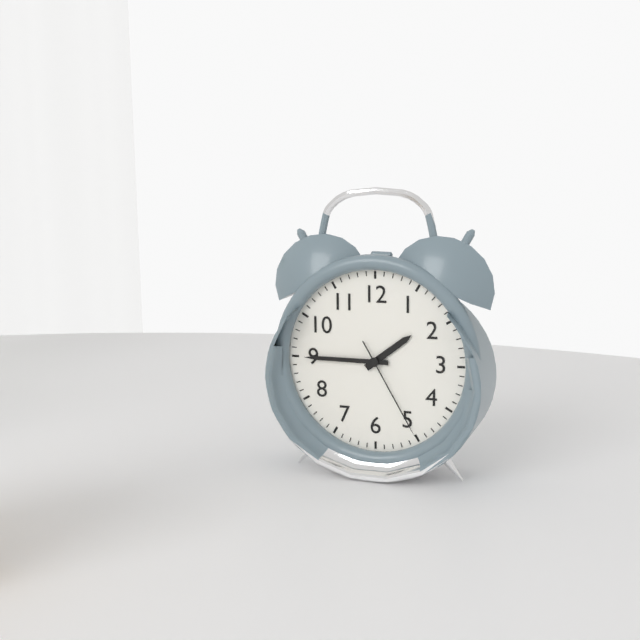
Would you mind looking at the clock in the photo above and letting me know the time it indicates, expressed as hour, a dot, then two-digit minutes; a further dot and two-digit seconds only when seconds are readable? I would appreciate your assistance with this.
1.45.25
